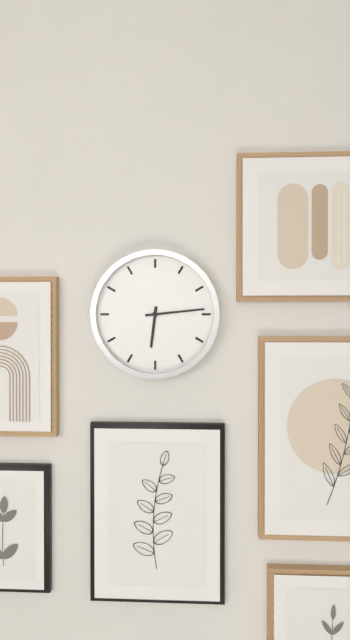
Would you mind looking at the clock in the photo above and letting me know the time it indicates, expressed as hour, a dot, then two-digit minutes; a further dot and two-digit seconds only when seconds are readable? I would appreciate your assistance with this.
6.14
